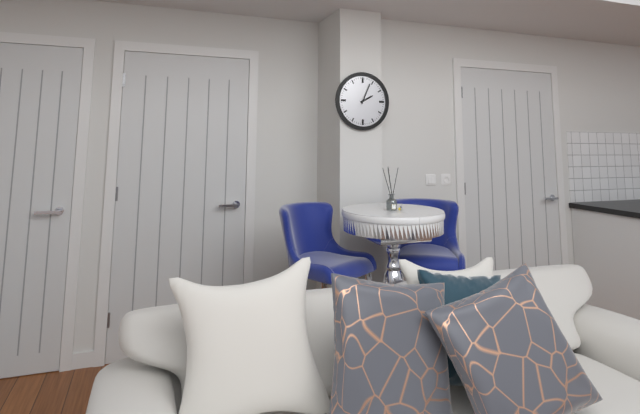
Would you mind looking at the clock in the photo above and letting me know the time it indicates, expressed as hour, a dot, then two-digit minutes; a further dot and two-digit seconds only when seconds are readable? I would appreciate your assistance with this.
2.04
